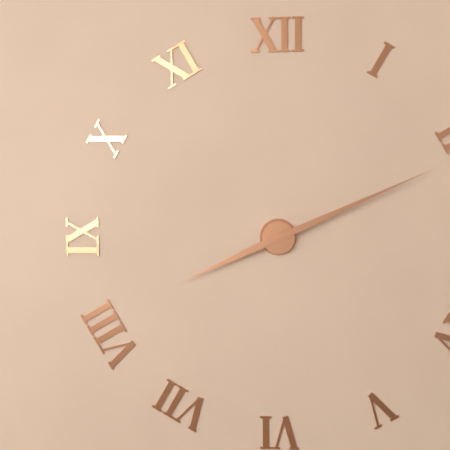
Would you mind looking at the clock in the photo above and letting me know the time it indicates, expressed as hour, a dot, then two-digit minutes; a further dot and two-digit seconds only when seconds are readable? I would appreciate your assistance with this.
8.11
